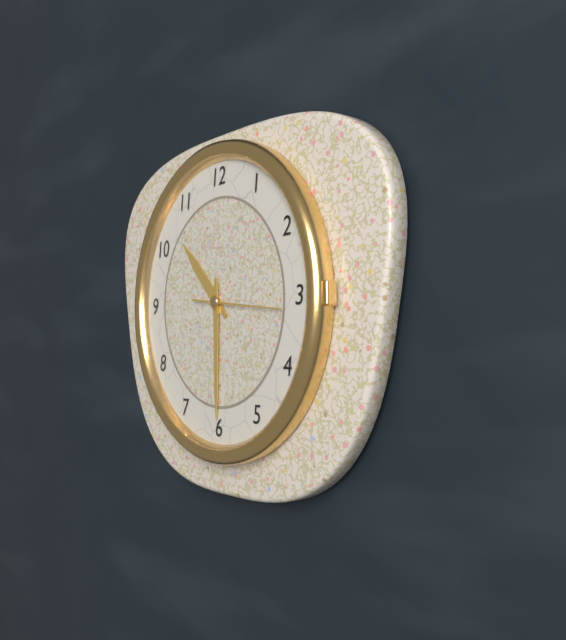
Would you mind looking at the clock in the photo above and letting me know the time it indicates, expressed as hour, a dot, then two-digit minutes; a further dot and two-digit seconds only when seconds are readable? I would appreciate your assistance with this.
10.30.16
